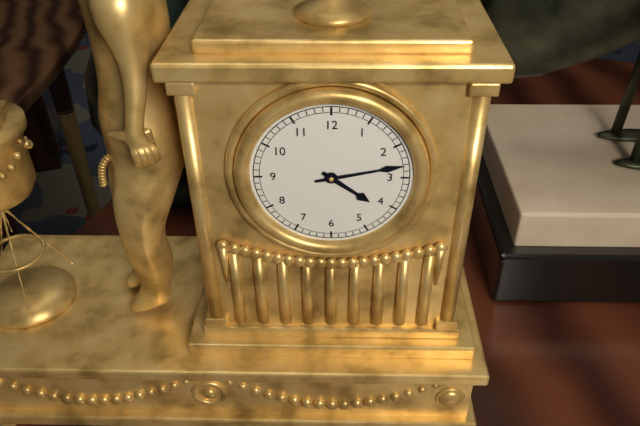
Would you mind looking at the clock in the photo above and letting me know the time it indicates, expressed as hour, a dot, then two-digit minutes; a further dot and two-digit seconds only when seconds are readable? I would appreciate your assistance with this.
4.13
